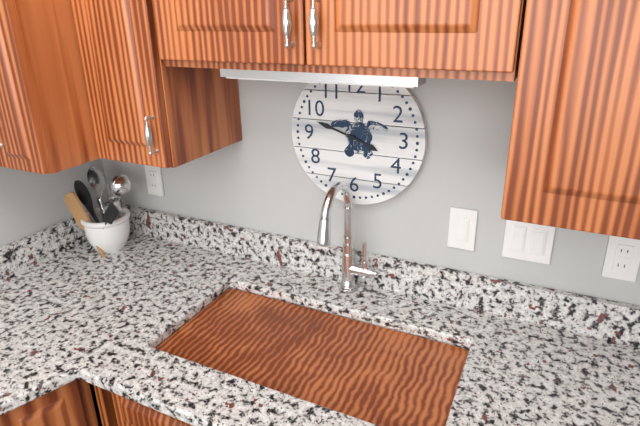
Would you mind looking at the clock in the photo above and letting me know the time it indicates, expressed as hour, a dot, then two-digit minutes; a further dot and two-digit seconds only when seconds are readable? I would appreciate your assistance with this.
3.48
